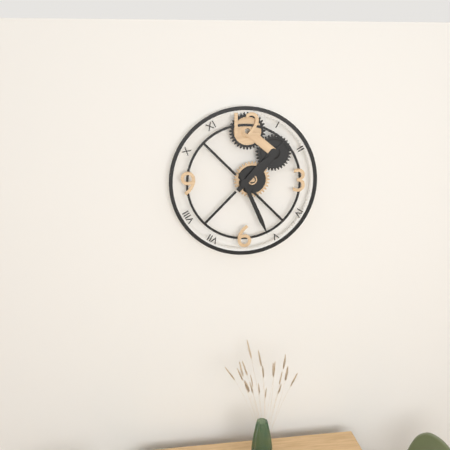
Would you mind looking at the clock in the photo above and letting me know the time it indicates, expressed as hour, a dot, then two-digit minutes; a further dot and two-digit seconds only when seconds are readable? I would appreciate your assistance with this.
1.26
